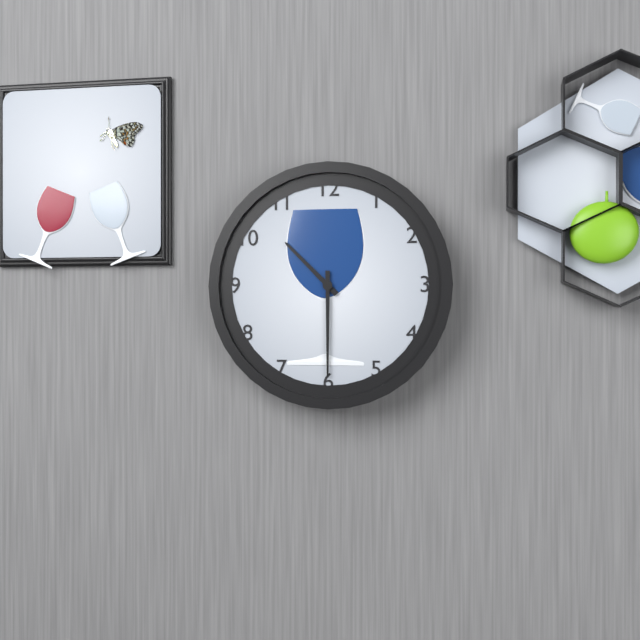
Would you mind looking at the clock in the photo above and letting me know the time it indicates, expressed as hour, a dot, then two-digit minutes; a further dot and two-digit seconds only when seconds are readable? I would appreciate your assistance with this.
10.30
